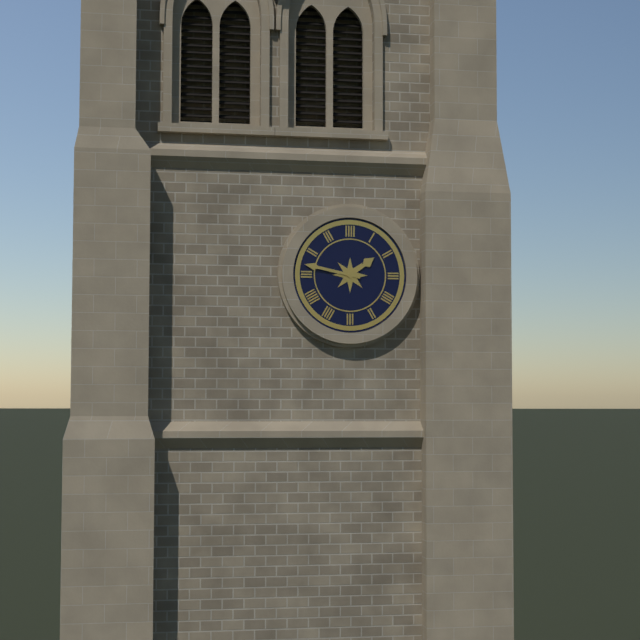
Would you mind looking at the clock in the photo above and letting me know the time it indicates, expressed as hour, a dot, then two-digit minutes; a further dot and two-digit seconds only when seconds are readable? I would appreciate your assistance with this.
1.47
